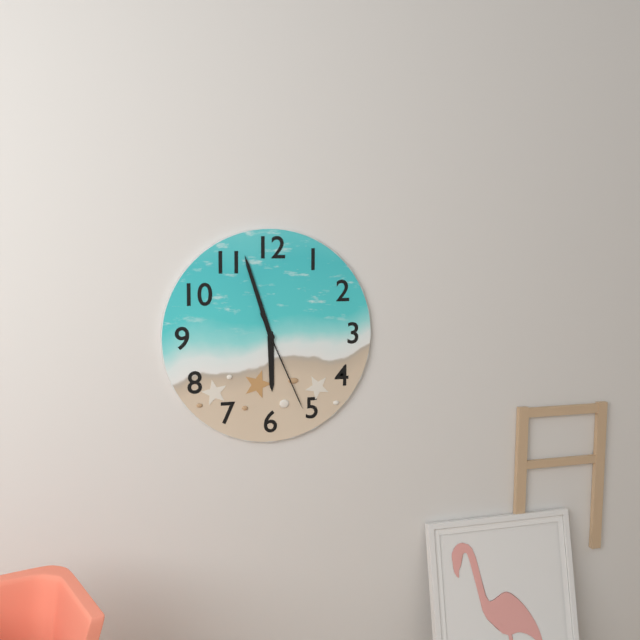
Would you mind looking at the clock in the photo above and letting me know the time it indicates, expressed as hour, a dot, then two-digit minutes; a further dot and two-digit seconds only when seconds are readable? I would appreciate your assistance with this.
5.57.26
